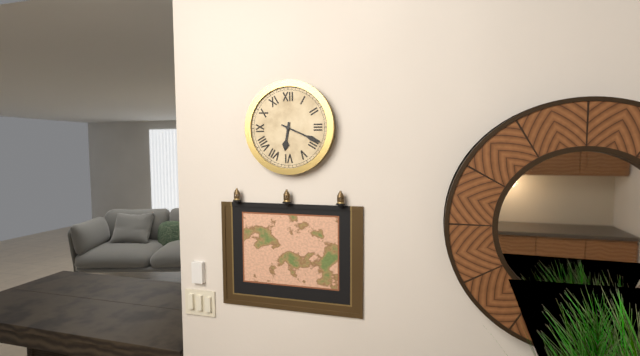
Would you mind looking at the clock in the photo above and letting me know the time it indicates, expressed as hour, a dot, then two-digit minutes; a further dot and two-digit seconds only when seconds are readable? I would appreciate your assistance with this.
6.19
